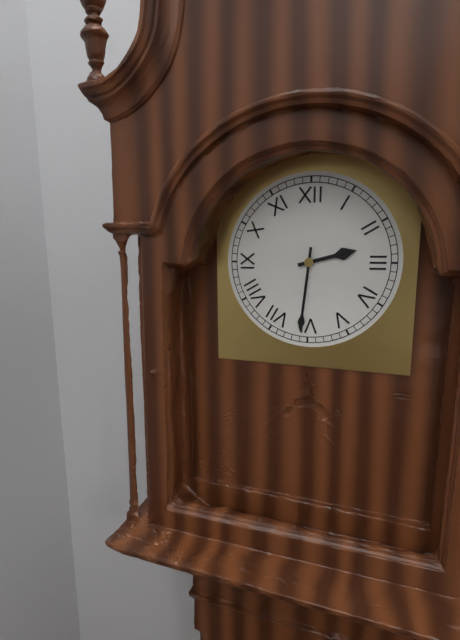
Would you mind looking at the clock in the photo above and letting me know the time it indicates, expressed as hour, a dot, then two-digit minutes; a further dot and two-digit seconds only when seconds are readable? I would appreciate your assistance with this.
2.31
